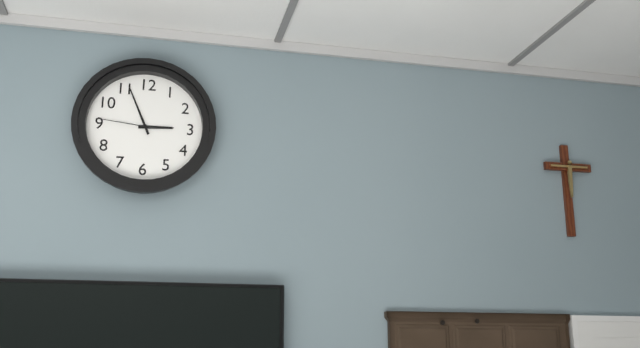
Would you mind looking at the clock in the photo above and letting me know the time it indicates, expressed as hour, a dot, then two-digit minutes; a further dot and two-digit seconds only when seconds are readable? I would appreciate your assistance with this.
2.56.46
